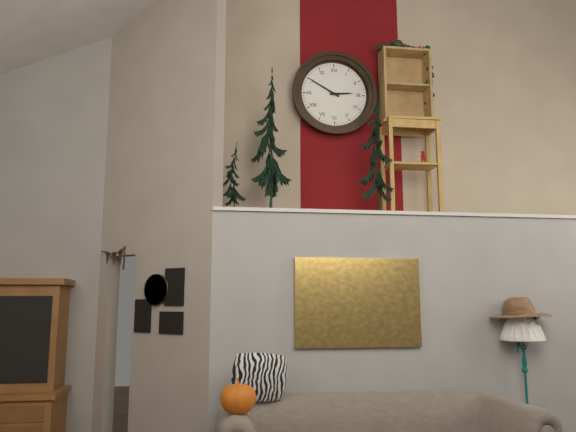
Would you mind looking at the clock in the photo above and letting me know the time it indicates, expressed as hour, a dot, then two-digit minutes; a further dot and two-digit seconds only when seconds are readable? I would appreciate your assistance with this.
2.50
